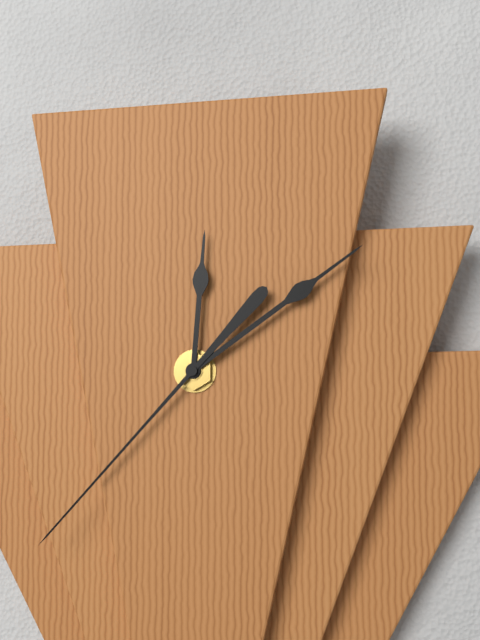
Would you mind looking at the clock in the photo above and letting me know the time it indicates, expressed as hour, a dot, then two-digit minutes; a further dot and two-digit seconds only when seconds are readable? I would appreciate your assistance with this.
12.09.37
